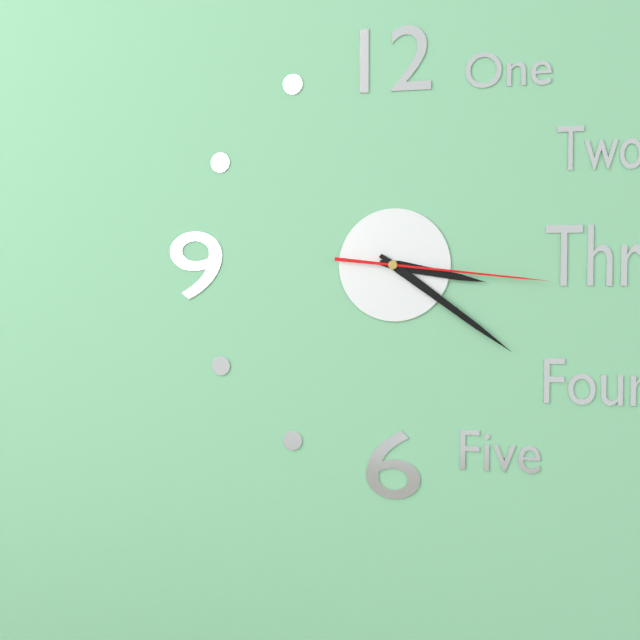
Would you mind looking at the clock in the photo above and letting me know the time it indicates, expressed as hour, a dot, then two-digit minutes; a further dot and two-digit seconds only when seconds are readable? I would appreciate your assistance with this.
3.21.16
